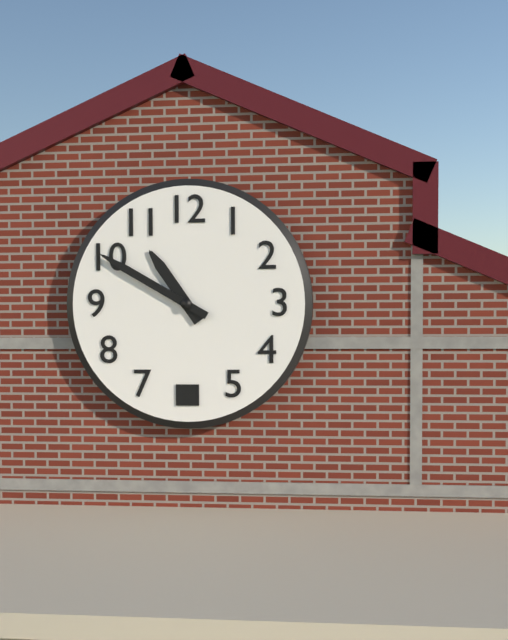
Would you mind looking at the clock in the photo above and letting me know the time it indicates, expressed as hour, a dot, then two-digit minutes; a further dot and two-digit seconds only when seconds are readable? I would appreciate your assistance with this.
10.50
